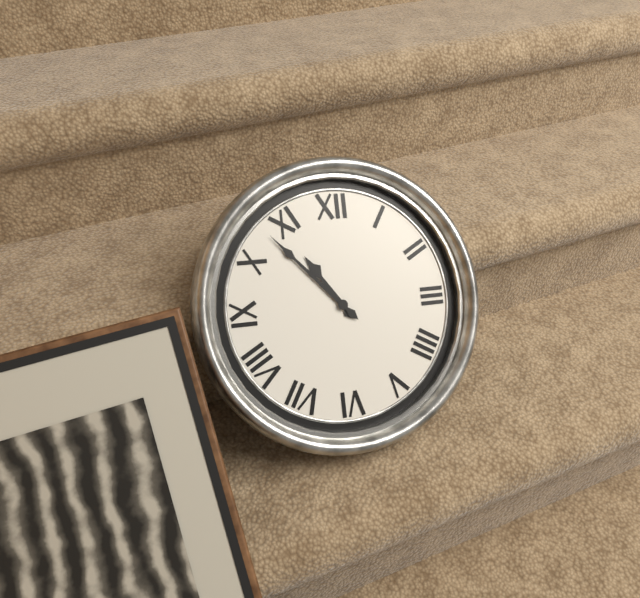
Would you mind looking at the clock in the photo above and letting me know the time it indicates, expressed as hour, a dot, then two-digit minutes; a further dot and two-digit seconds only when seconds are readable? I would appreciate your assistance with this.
10.53
